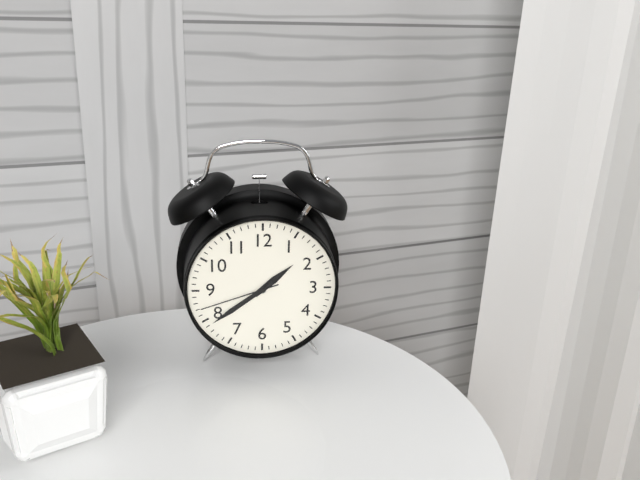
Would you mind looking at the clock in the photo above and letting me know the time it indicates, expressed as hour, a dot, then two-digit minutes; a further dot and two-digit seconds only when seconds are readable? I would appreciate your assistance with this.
1.39.42
